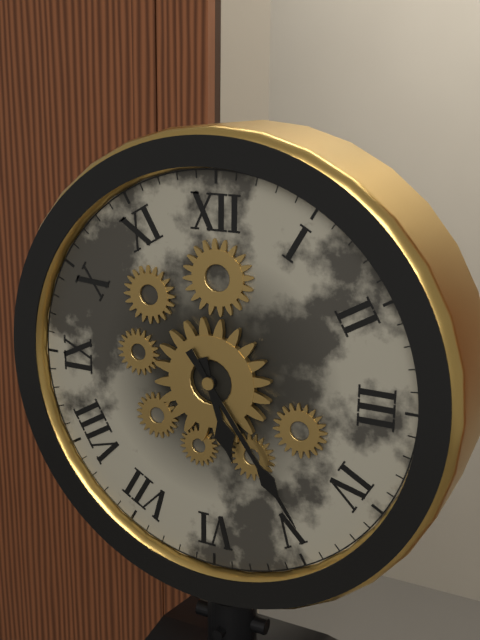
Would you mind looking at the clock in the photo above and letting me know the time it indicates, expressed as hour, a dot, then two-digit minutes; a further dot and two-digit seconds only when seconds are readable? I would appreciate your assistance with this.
5.24
